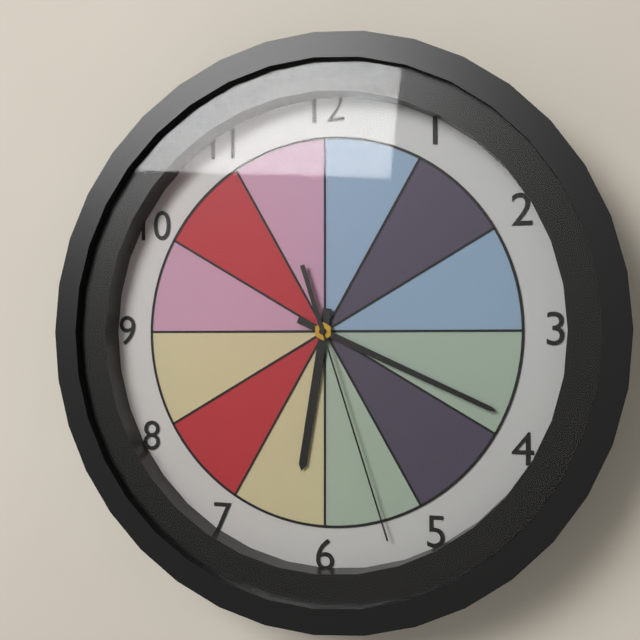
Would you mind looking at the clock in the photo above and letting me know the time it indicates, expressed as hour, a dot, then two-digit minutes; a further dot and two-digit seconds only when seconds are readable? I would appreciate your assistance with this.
6.19.27
